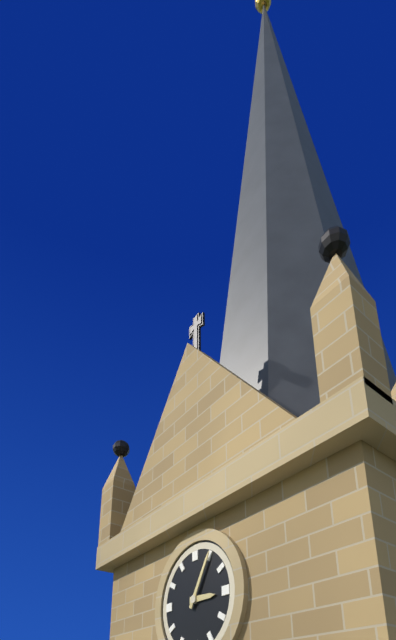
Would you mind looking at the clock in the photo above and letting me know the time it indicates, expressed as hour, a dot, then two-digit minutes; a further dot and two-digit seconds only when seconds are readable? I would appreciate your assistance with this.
3.05
